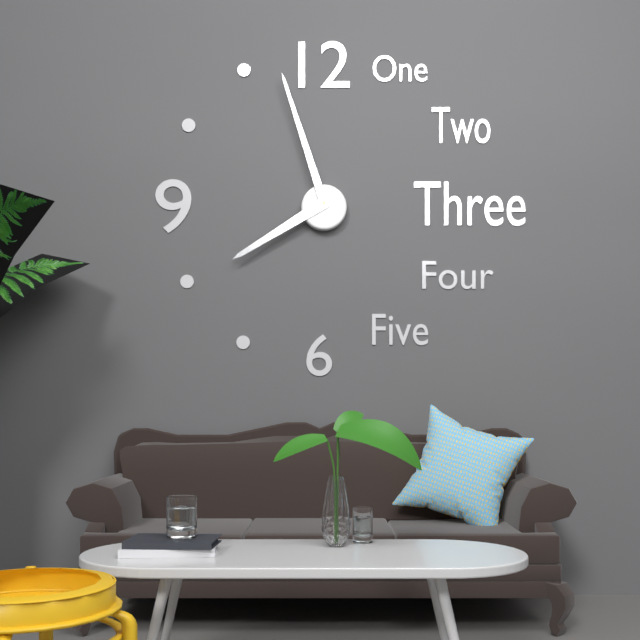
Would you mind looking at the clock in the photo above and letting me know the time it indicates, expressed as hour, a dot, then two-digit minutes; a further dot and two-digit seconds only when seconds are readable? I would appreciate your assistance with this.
7.57
